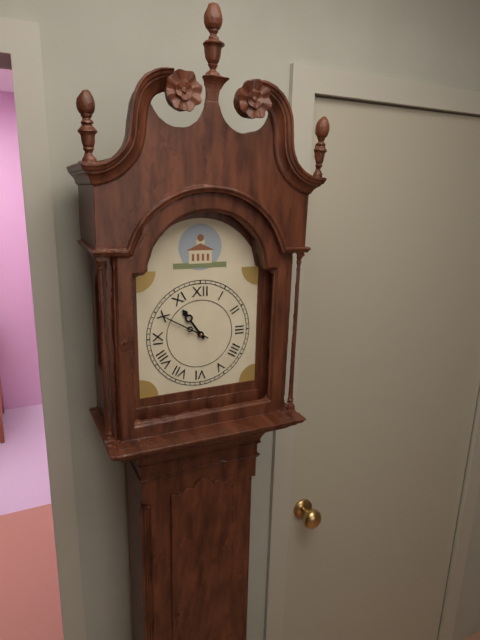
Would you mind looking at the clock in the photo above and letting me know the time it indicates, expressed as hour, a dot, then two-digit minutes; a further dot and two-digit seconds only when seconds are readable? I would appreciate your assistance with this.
10.50
